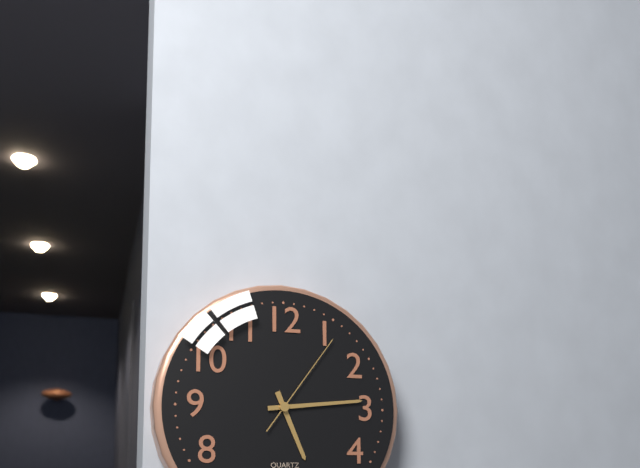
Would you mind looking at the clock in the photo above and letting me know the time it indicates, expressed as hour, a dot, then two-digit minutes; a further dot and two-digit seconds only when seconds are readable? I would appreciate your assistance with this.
5.14.06
